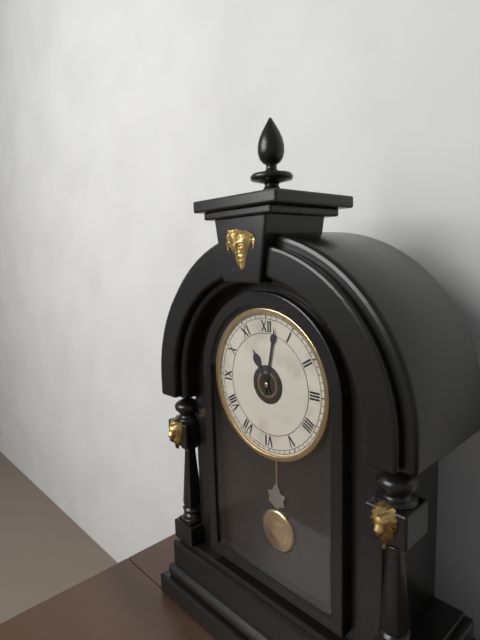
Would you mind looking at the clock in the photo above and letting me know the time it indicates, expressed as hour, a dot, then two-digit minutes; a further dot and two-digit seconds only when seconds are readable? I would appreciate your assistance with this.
11.02
